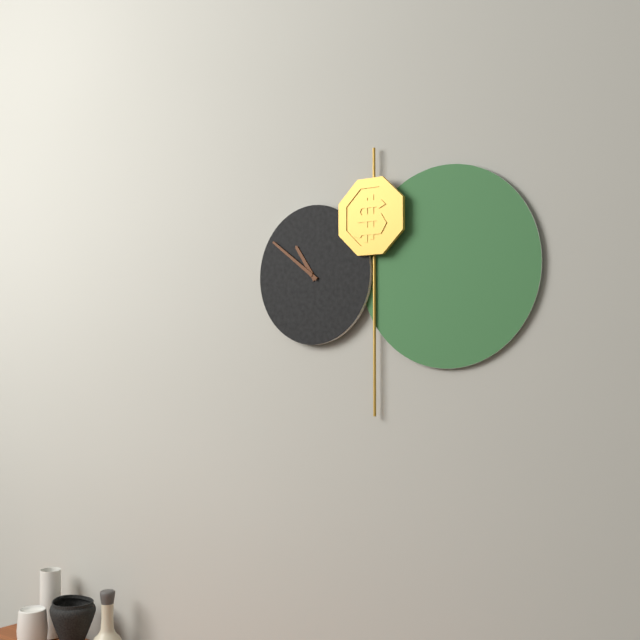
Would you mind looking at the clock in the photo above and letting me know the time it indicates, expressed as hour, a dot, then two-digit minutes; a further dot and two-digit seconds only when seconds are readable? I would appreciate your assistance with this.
10.51
